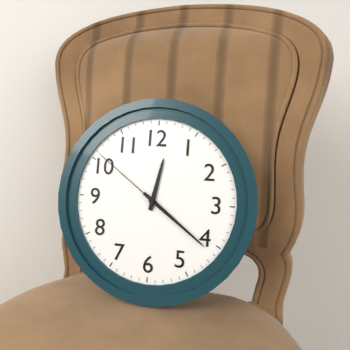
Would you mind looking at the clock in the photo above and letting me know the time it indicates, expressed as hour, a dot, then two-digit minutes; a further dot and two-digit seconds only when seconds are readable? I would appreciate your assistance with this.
12.21.51
